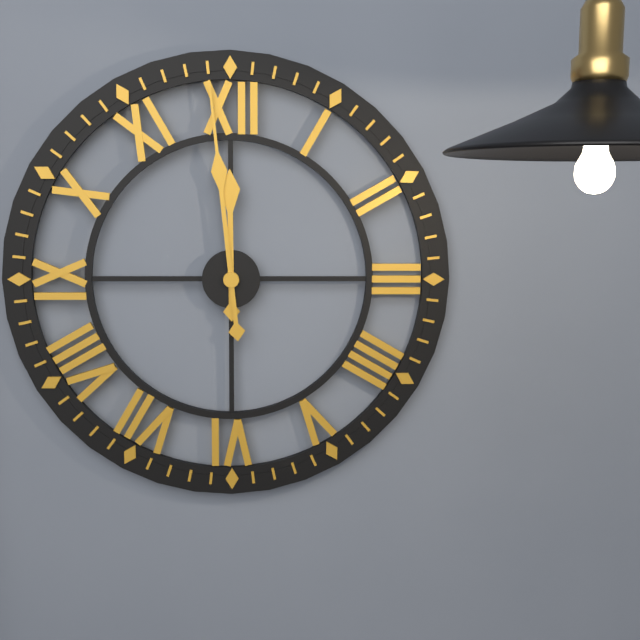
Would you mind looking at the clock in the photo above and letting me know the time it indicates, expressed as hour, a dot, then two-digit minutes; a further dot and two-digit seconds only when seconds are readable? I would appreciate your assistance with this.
11.59
